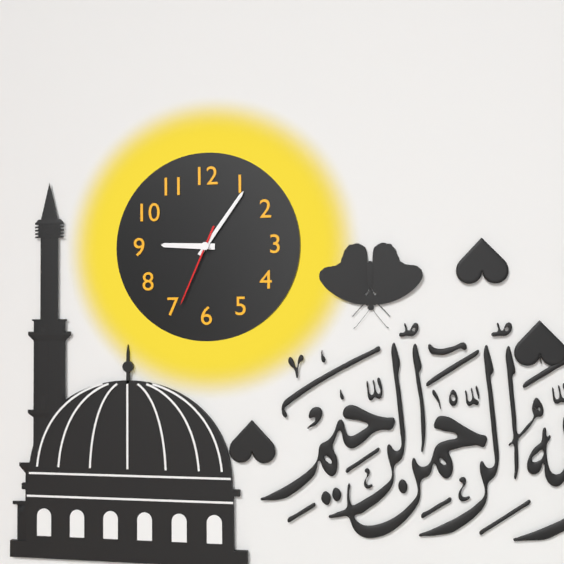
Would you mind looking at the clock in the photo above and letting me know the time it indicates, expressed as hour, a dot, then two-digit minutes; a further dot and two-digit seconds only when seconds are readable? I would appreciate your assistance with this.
9.06.34
